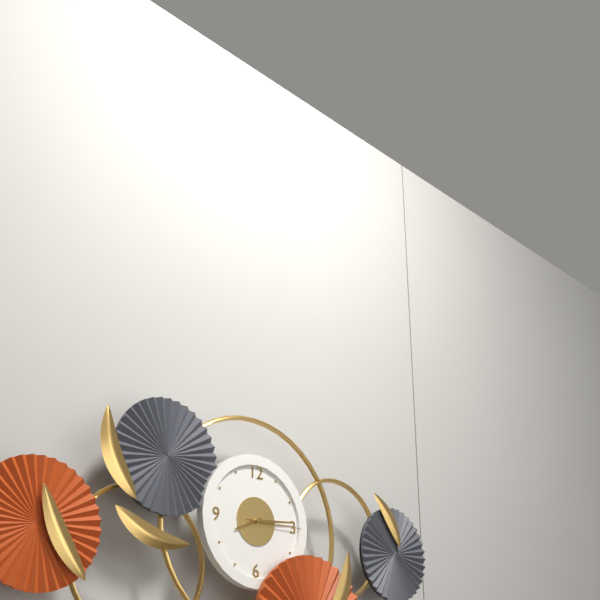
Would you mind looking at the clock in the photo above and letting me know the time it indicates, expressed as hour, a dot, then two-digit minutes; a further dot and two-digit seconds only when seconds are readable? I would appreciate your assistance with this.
8.14.15
